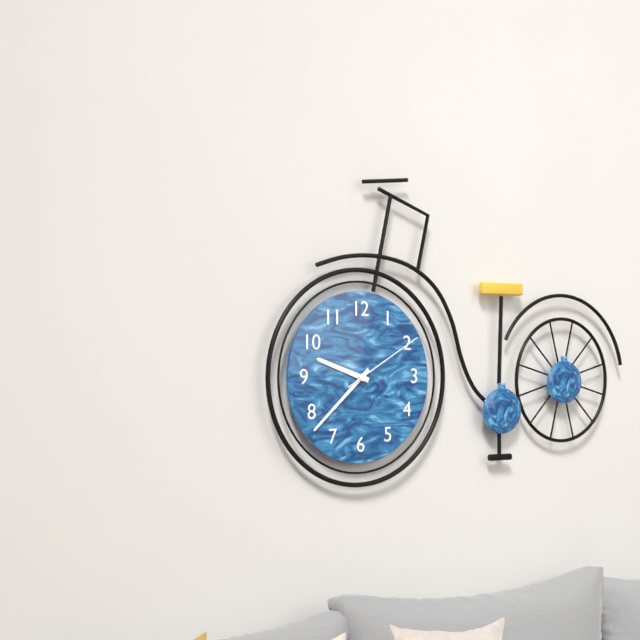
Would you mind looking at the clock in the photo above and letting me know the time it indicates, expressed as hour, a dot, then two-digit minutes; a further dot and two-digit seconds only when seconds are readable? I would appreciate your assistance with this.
9.38.10
